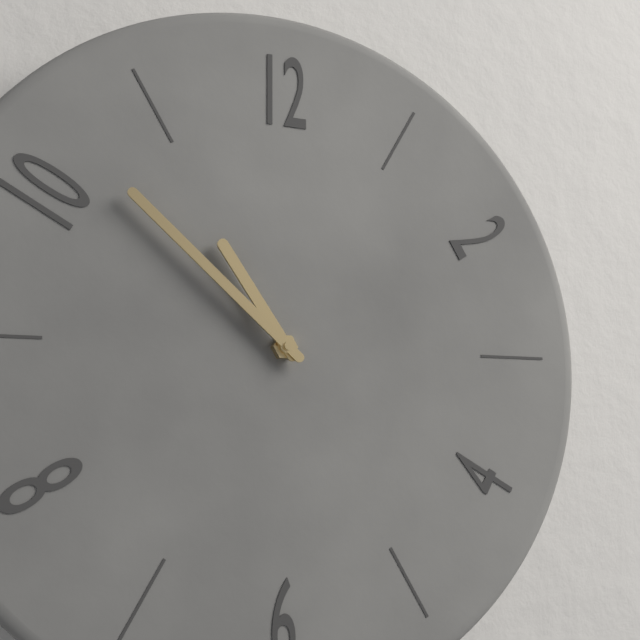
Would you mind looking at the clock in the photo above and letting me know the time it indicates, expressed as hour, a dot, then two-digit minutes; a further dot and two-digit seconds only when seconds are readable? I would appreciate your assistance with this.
10.52
